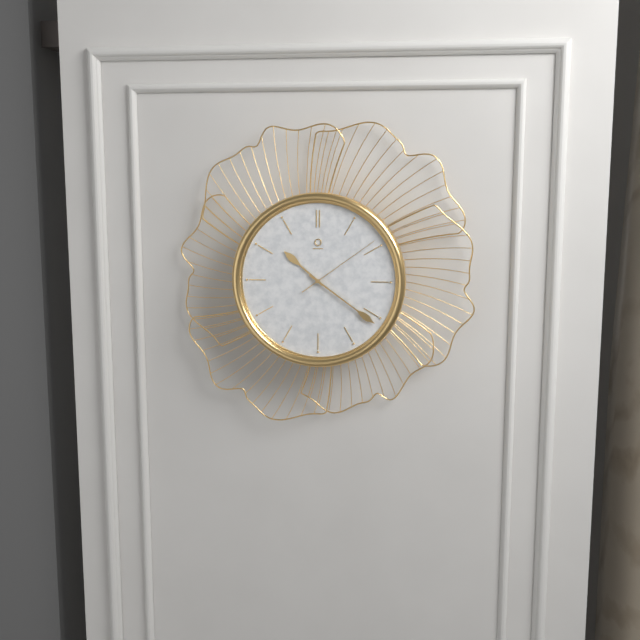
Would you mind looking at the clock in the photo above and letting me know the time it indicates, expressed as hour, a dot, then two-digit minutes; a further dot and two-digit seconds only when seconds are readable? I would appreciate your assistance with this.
10.21.09
